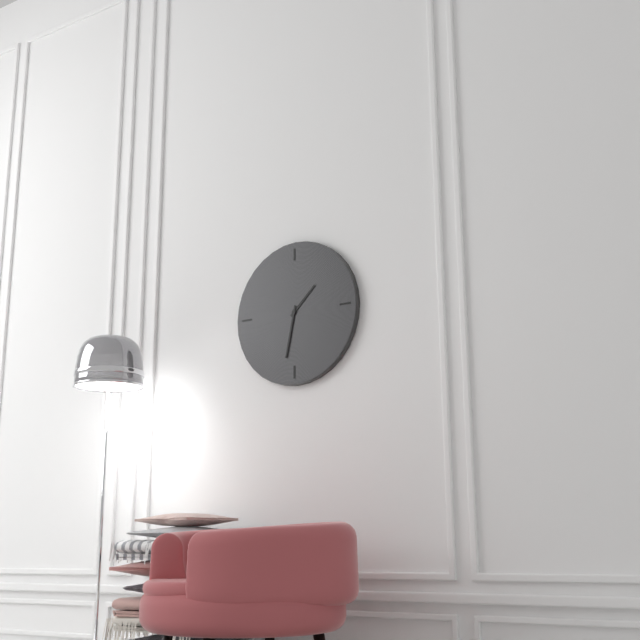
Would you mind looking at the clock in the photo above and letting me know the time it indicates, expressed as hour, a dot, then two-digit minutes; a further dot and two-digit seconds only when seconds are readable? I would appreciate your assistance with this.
1.32
